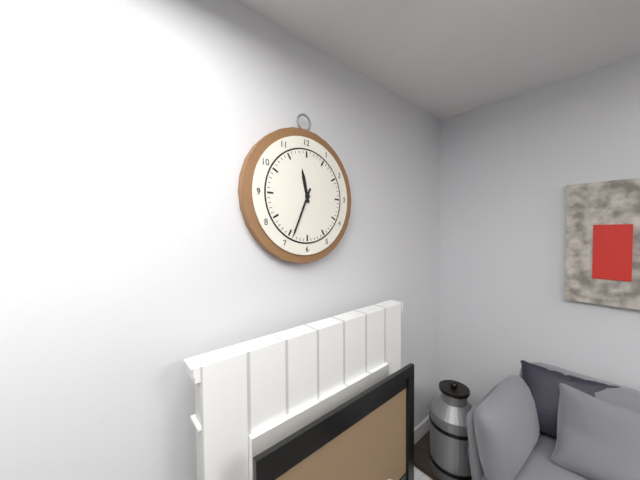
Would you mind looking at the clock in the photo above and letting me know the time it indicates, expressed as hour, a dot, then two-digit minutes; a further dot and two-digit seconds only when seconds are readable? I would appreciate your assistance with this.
11.34
